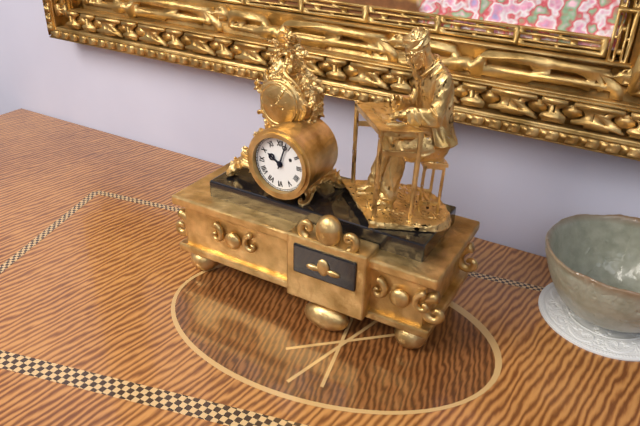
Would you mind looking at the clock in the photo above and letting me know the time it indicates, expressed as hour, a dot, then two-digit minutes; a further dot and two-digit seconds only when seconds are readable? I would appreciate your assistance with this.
10.03
